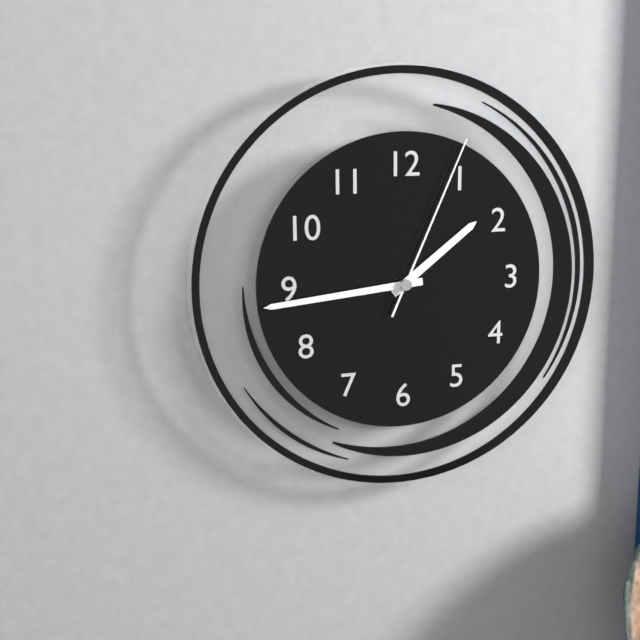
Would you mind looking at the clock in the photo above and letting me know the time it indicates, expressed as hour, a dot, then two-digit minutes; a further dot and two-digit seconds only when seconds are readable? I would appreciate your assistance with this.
1.44.04
